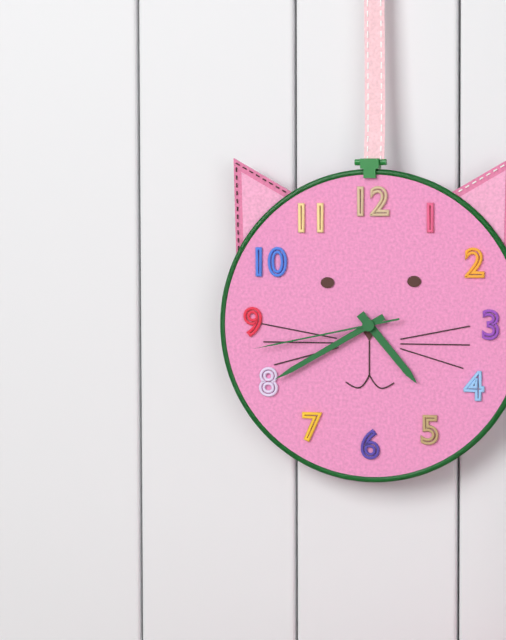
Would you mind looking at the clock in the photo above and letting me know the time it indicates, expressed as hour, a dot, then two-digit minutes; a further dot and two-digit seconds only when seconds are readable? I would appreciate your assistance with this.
4.40.43
